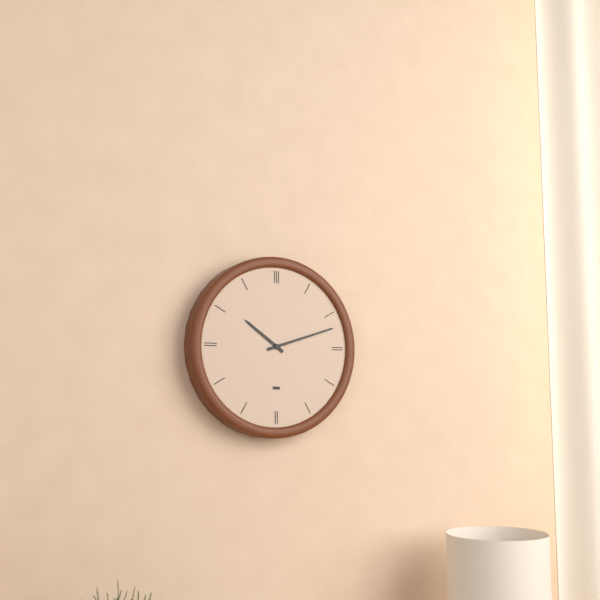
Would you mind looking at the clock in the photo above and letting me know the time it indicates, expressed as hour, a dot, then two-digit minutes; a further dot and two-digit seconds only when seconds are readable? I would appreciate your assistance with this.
10.12
